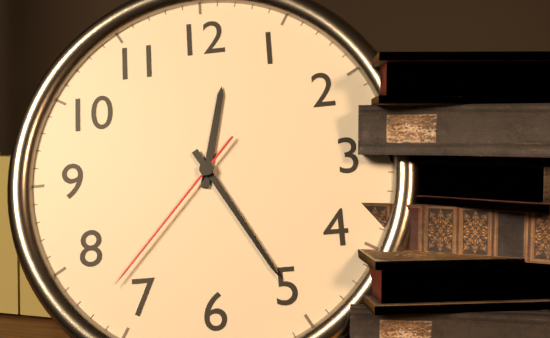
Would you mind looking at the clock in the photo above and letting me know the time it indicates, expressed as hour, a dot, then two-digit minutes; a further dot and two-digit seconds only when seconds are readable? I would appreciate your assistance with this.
12.25.37
